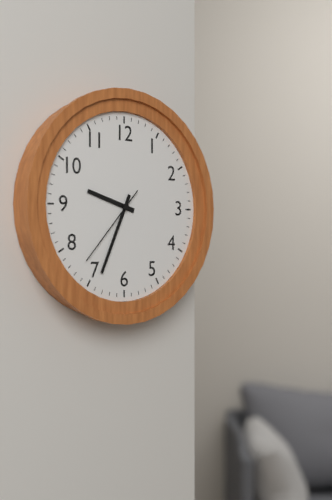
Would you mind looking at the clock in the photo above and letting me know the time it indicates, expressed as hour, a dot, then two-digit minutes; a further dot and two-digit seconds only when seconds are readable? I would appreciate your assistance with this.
9.34.37
